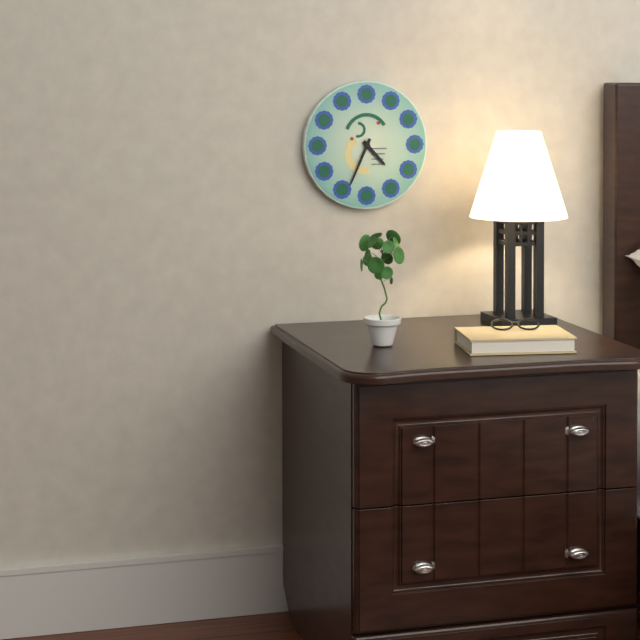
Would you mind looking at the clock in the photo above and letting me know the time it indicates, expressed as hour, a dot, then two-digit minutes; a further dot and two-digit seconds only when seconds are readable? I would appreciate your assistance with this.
4.34
